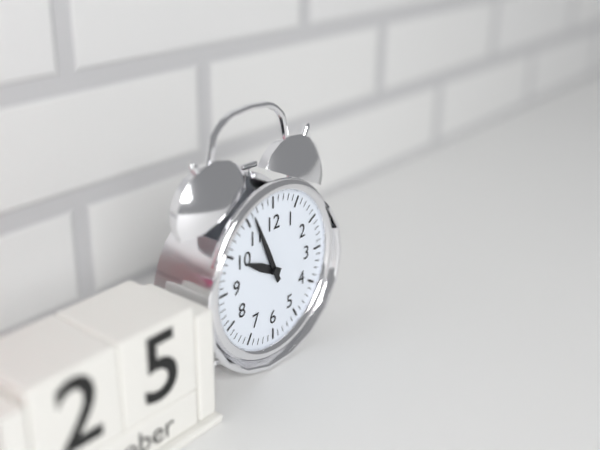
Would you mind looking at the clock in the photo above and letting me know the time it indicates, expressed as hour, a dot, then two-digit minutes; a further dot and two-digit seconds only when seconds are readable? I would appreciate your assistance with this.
9.56
